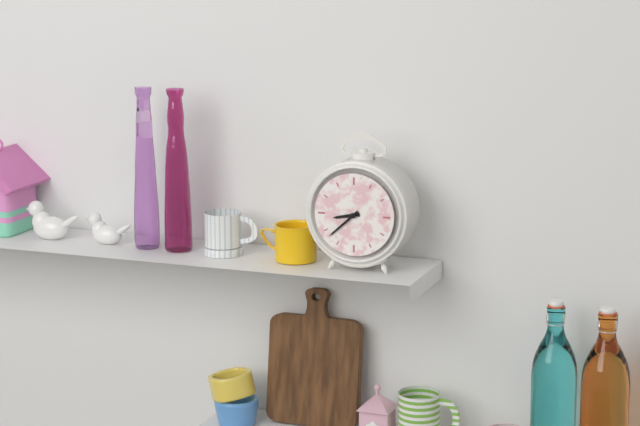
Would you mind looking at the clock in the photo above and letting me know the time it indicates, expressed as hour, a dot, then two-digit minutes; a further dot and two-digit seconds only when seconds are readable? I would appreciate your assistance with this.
8.38
